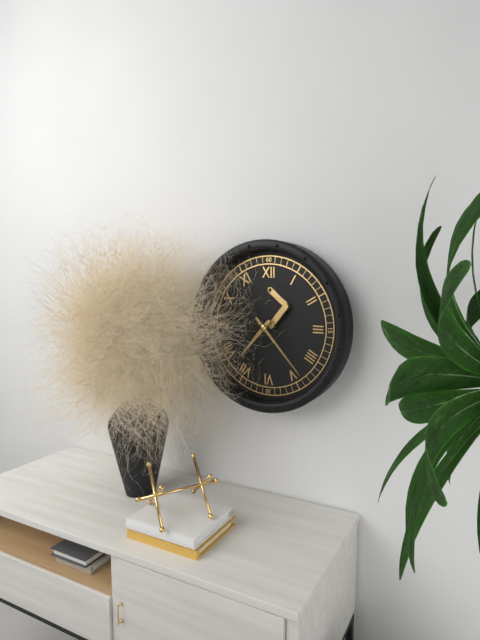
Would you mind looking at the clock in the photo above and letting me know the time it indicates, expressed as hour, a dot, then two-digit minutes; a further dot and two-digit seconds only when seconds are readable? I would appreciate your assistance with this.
7.23
